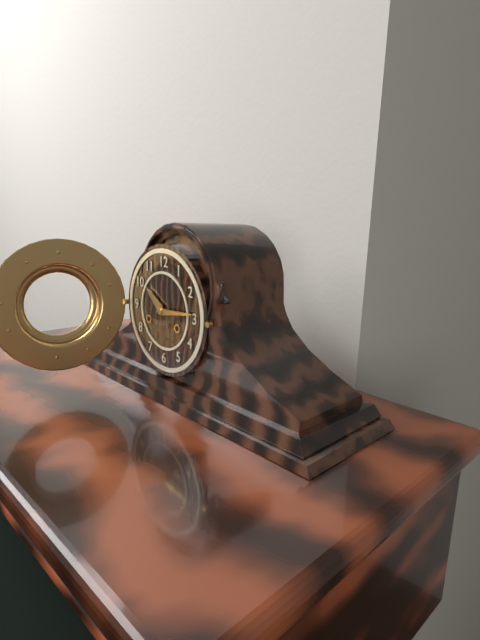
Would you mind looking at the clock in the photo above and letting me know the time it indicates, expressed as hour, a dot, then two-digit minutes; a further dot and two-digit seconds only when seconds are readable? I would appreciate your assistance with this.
10.14
